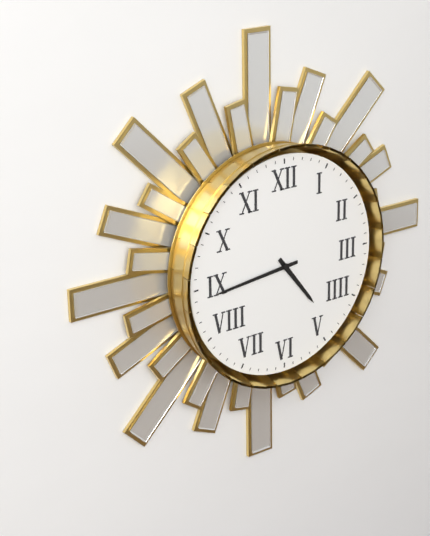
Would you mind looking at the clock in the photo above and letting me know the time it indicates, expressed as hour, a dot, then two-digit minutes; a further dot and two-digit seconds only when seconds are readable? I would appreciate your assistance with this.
4.44
